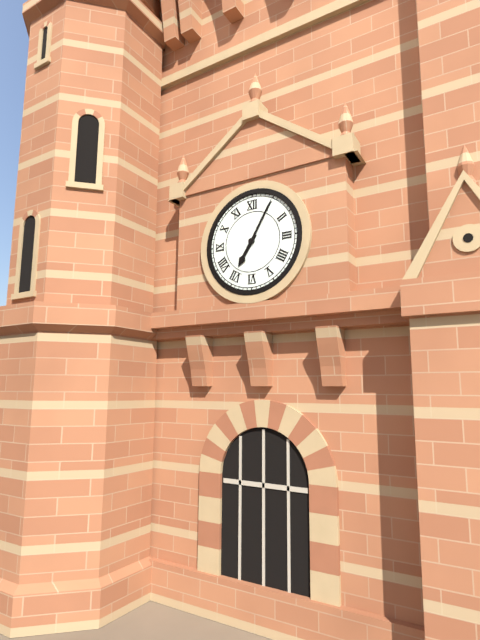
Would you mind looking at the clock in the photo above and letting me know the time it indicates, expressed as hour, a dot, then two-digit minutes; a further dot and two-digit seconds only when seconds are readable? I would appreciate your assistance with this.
7.05
